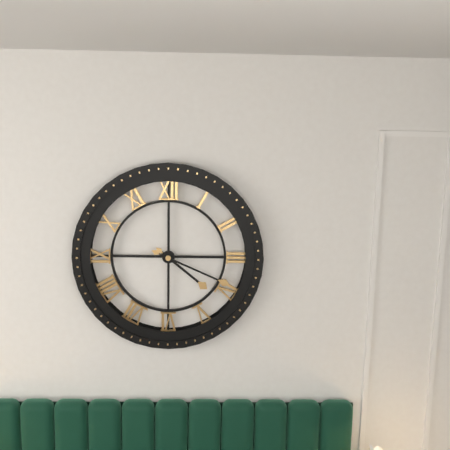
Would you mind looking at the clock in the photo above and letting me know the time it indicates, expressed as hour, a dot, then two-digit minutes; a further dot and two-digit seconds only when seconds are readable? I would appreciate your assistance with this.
4.19
